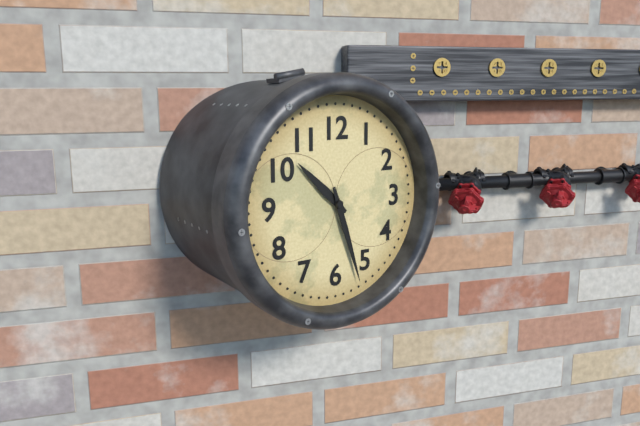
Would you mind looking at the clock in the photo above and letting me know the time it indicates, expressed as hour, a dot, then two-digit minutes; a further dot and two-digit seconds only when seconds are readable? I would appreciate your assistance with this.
10.27
